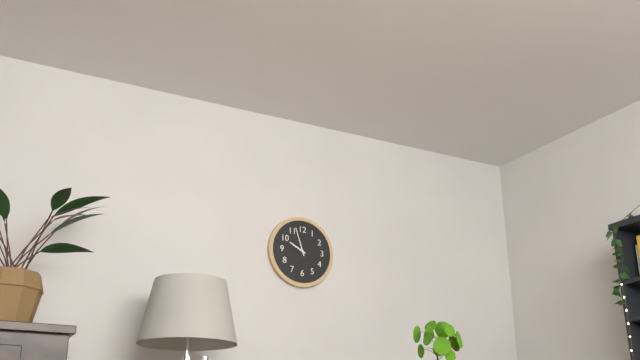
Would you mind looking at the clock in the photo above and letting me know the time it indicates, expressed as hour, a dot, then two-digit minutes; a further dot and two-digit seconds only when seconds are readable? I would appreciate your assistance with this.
9.57
